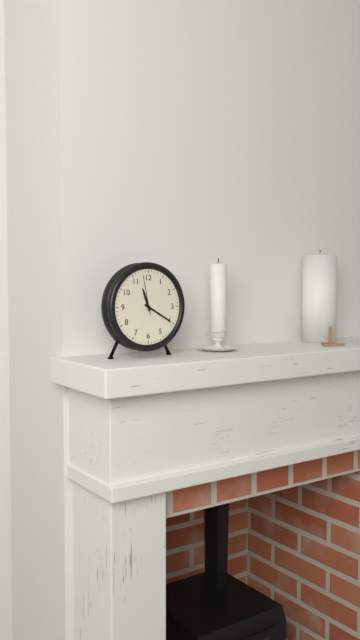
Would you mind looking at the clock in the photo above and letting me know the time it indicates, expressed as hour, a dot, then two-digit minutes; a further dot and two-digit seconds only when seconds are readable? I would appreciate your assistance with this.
11.20
